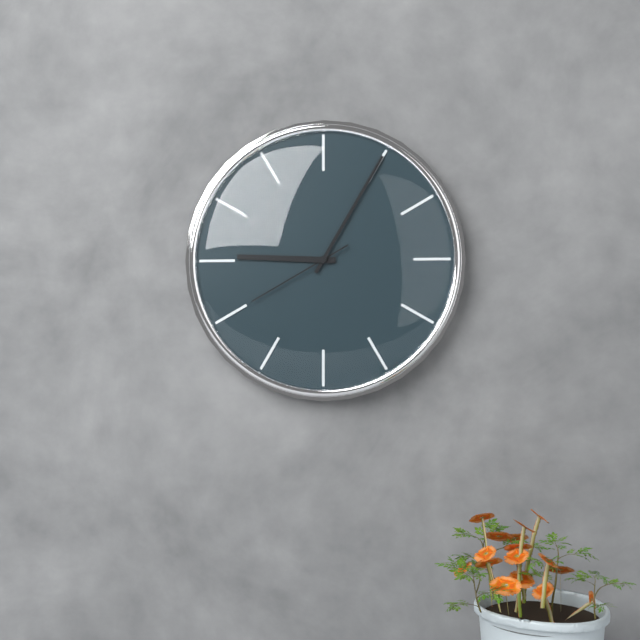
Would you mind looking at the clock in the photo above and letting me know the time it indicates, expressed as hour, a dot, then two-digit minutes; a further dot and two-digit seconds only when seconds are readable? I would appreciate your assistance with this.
9.05.40
